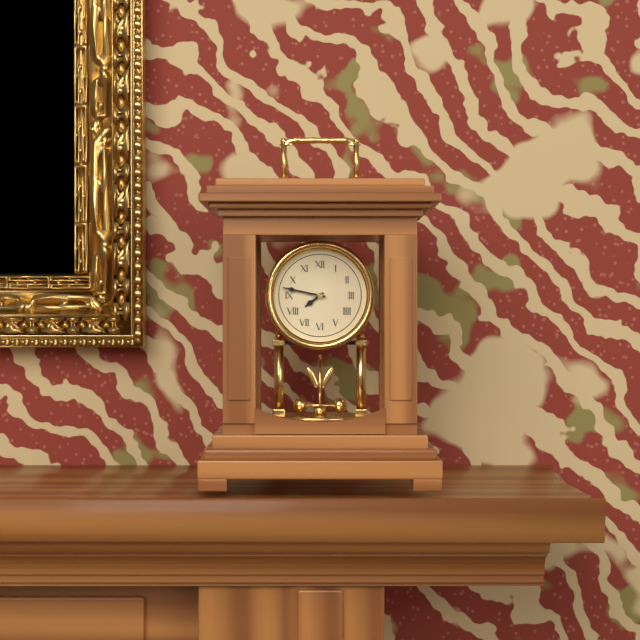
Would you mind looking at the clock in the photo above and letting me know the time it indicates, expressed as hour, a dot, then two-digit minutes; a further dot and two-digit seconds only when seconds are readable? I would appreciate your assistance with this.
7.47
